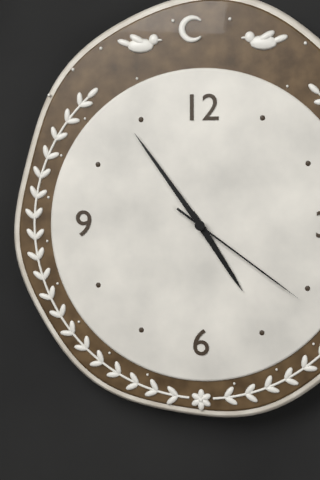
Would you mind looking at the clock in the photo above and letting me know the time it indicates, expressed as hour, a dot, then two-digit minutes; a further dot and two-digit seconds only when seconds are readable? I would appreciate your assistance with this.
4.54.21
